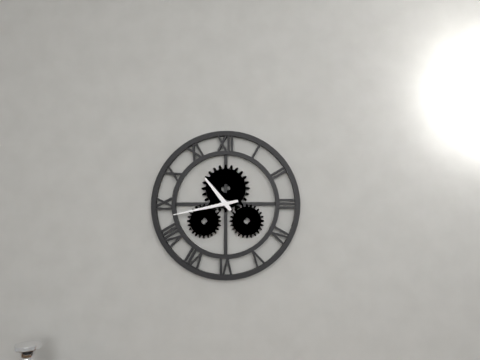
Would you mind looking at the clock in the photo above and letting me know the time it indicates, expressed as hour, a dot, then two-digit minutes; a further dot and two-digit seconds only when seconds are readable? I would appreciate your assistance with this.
10.43
